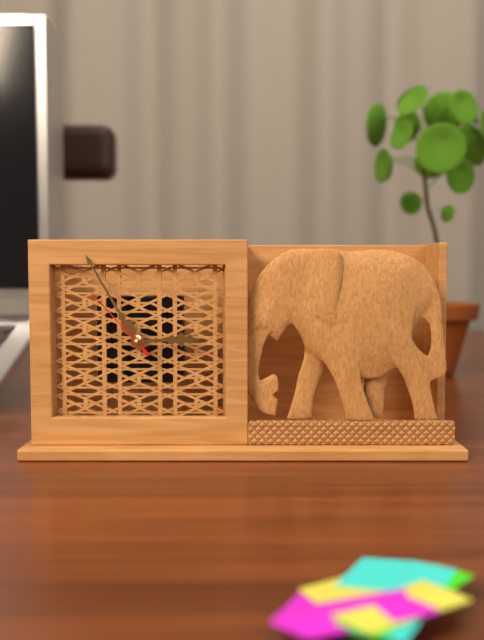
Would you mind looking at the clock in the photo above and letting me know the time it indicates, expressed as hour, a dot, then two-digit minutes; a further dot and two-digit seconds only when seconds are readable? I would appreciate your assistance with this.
2.55.53
